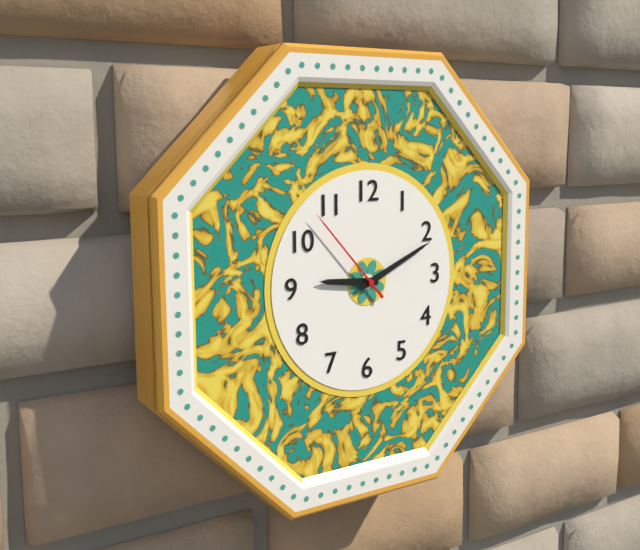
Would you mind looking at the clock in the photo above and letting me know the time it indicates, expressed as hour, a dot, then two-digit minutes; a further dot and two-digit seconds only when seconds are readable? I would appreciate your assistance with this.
9.11.53
